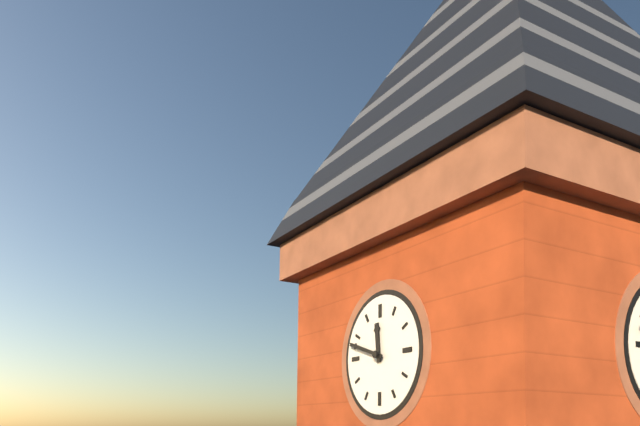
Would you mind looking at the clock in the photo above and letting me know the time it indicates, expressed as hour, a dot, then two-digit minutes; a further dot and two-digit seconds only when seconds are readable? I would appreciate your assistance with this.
11.48
